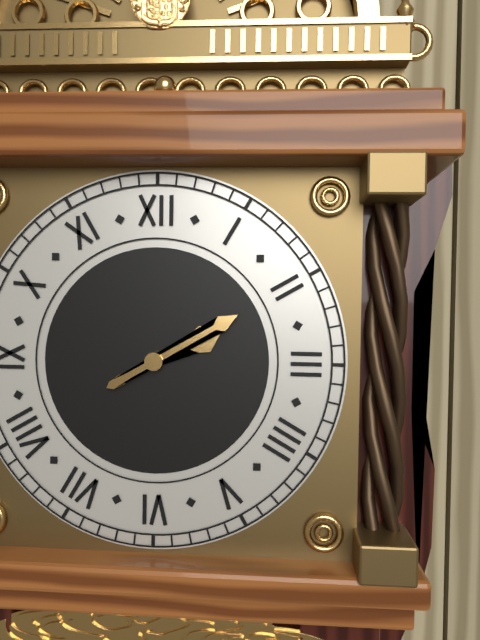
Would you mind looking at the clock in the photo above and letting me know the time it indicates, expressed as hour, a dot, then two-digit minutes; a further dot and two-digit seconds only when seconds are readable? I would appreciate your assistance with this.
2.10
